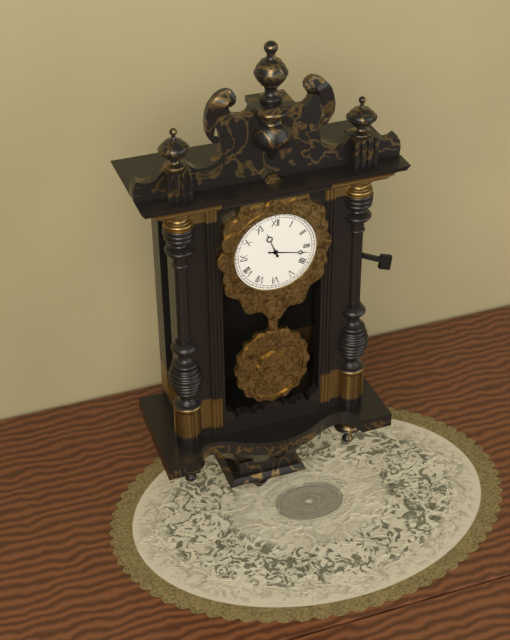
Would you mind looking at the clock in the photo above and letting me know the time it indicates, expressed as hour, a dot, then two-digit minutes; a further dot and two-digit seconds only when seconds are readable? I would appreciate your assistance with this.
11.17
